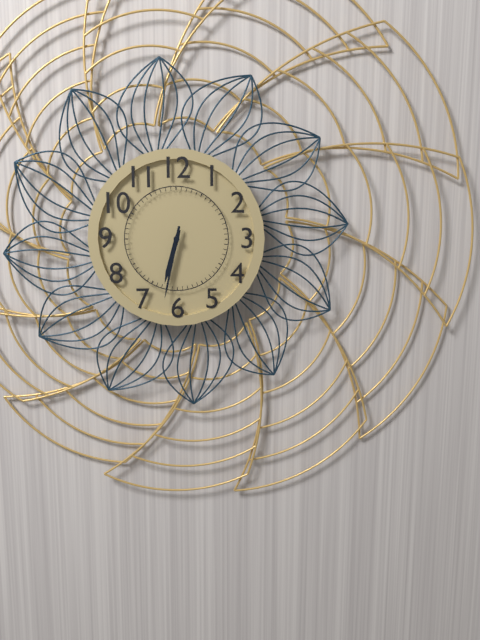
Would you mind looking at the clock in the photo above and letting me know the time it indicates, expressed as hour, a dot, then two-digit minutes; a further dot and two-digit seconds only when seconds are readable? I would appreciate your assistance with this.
6.32
